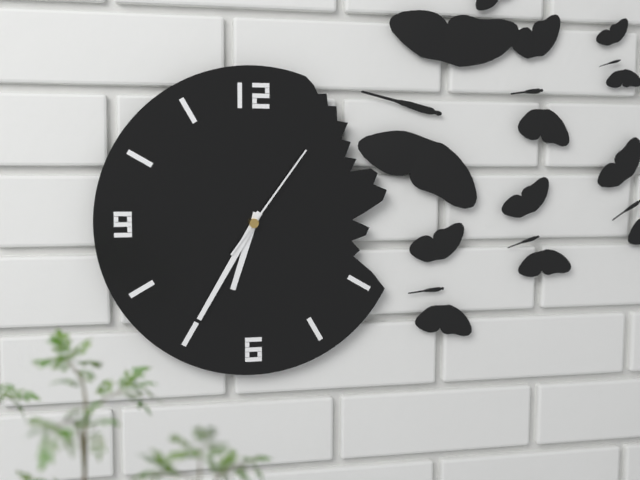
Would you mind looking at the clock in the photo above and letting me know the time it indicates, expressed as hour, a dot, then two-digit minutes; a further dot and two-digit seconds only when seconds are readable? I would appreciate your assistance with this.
6.35.06
